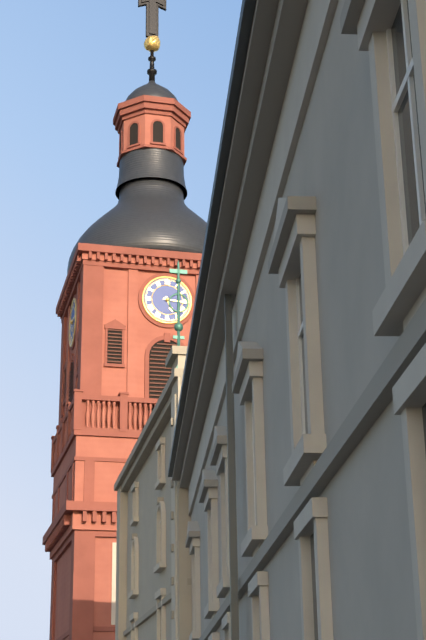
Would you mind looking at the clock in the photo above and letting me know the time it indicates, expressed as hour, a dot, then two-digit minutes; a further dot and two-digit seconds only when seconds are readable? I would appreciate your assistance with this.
5.16
